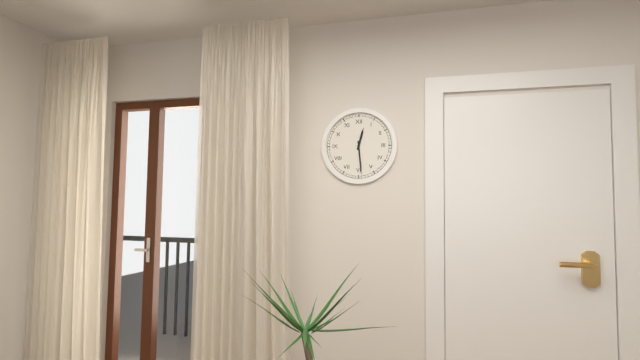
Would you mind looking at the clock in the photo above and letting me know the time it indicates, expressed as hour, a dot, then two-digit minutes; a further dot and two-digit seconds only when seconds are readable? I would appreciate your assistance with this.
12.29
